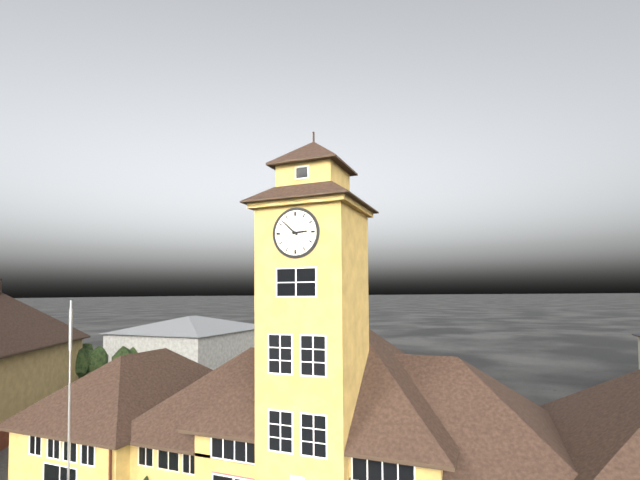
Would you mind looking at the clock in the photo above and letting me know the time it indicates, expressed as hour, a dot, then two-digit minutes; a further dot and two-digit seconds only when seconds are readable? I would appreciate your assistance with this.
2.52
